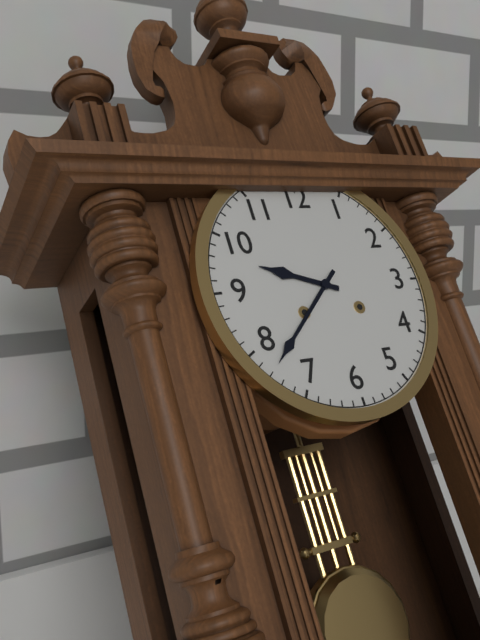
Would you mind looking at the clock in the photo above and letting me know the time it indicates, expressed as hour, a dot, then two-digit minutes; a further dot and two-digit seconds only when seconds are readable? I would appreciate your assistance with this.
9.38
